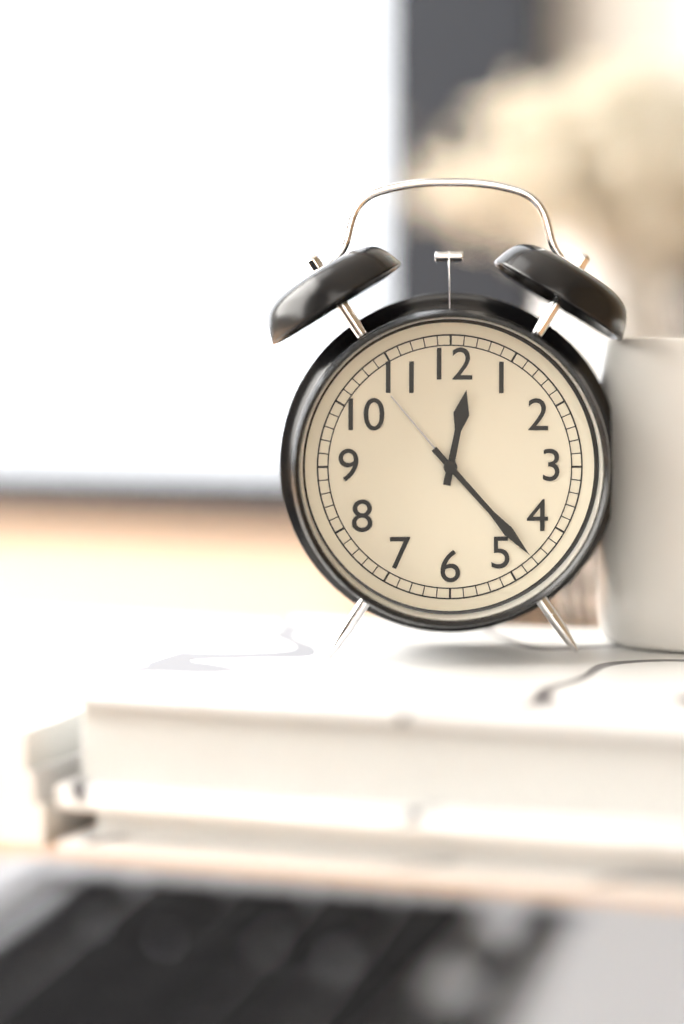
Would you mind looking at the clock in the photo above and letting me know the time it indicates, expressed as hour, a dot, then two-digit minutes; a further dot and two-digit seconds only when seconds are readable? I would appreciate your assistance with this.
12.23
